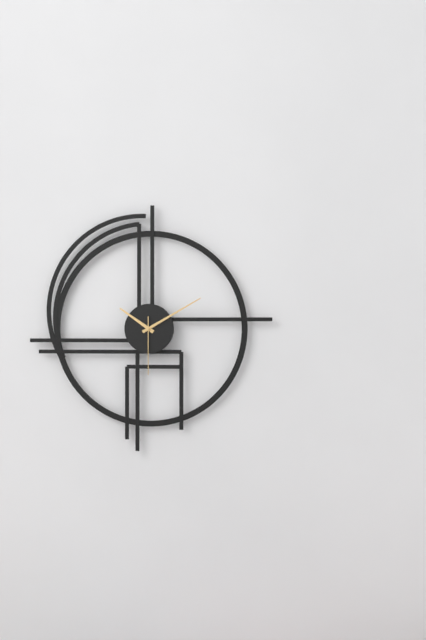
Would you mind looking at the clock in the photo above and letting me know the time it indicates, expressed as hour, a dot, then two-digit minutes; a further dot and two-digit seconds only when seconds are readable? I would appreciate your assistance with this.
10.10.30
